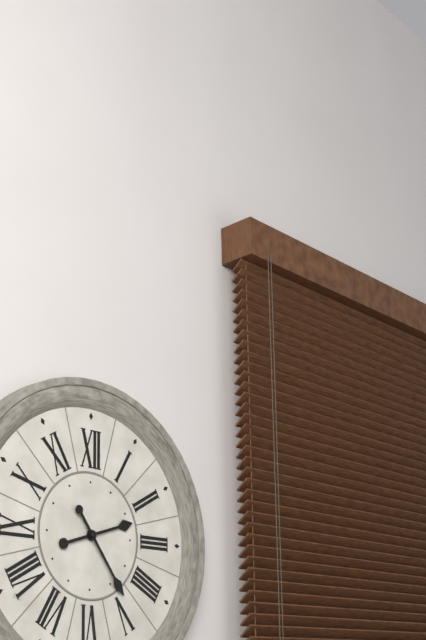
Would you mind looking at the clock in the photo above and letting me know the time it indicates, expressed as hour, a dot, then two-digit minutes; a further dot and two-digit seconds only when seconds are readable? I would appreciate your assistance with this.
2.24
